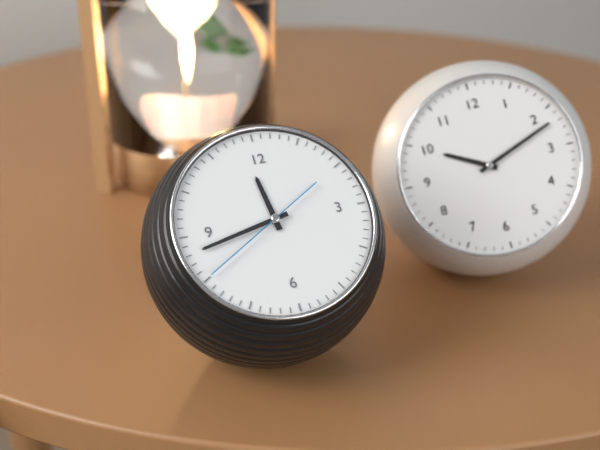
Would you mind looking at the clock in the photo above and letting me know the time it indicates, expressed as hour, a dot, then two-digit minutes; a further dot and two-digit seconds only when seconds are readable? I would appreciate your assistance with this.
11.43.40
